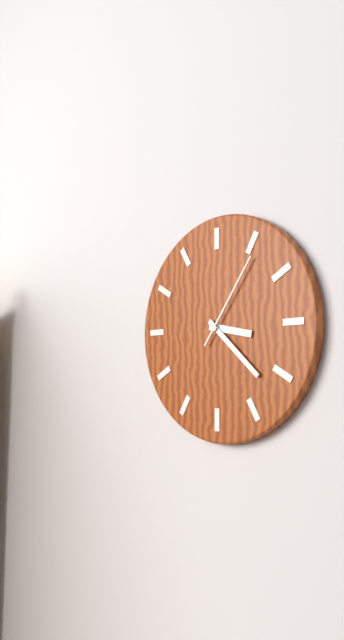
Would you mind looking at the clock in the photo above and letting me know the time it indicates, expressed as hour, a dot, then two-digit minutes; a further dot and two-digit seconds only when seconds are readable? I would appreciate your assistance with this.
3.22.06
